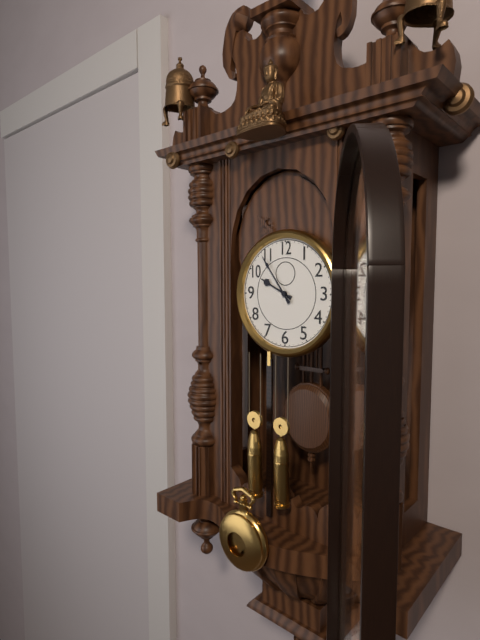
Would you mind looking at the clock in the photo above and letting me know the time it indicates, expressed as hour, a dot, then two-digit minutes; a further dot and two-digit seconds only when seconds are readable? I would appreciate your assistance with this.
9.54
